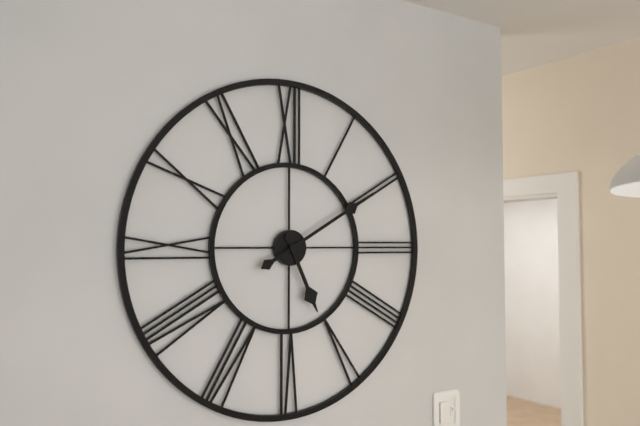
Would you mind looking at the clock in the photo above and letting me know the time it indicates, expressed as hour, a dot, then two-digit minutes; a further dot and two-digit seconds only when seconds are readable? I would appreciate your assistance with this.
5.10
